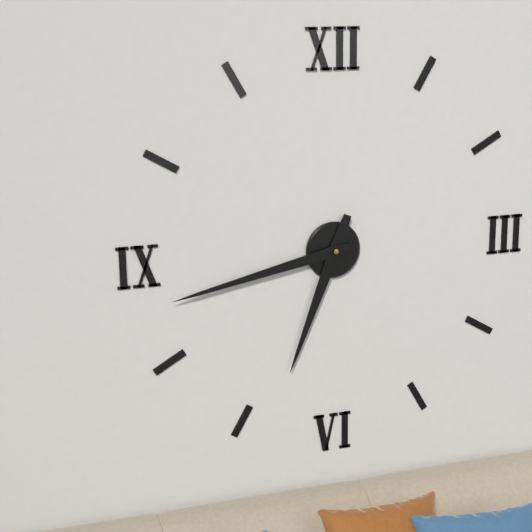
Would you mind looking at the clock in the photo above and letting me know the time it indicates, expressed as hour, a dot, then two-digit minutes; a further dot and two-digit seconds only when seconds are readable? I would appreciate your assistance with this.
6.43
